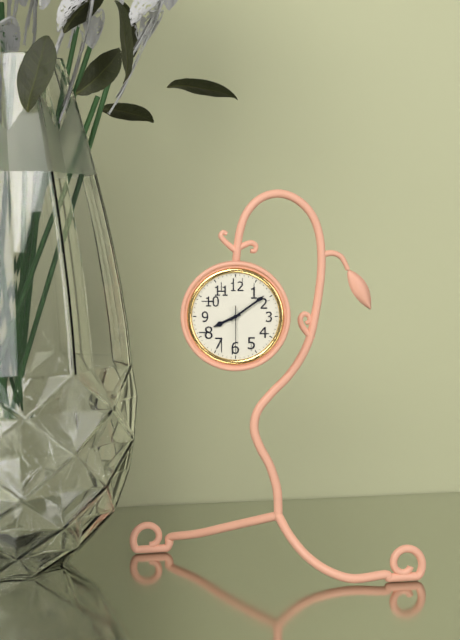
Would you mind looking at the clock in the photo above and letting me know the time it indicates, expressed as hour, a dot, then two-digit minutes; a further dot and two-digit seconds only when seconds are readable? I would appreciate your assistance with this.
8.09
